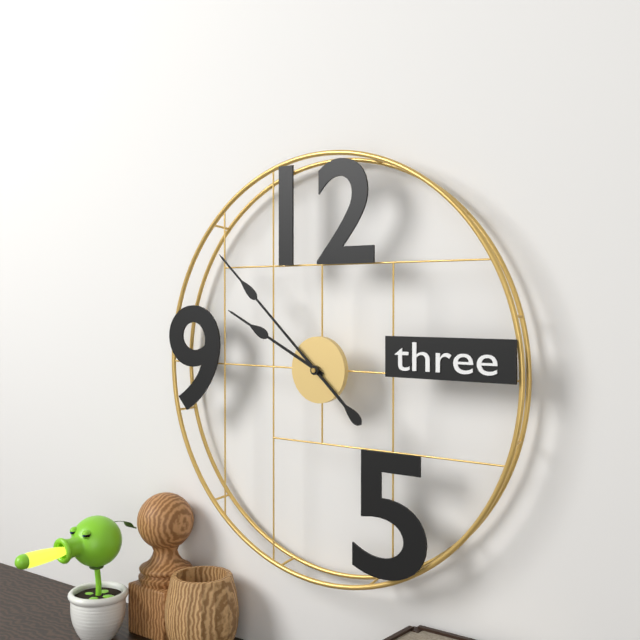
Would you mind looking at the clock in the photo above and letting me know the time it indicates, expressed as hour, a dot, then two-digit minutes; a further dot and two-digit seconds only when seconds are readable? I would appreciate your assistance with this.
9.52
